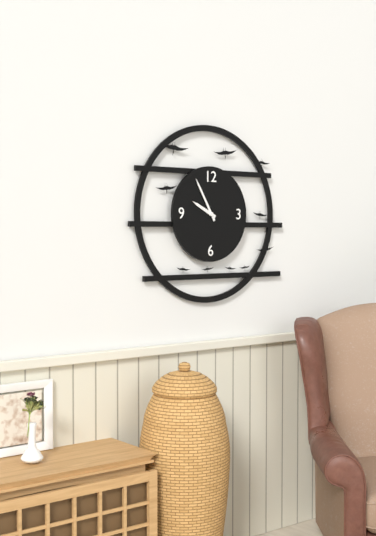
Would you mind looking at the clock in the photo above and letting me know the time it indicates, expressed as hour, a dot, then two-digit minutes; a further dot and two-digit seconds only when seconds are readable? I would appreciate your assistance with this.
9.55
